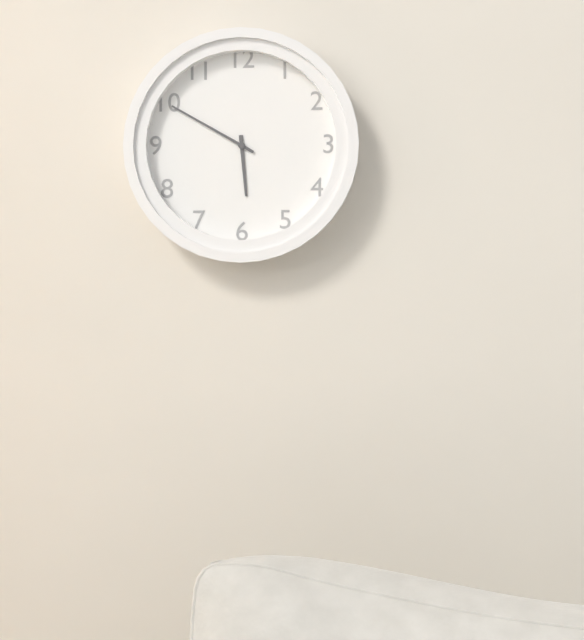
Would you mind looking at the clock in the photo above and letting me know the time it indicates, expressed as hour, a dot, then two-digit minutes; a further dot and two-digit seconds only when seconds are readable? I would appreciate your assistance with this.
5.50
